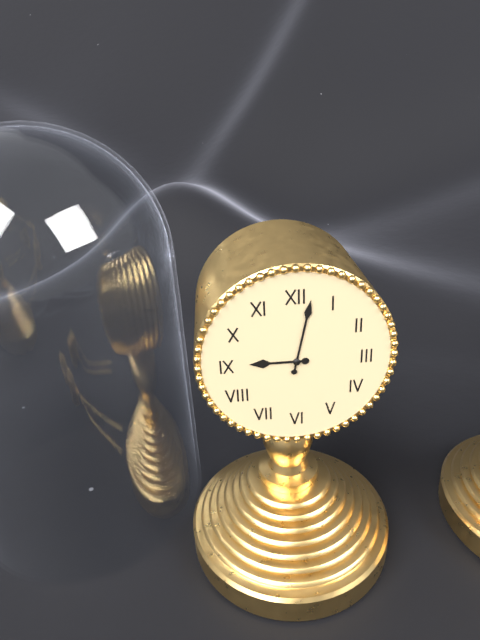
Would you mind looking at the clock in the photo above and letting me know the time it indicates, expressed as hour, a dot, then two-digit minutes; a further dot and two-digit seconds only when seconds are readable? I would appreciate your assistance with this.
9.02
